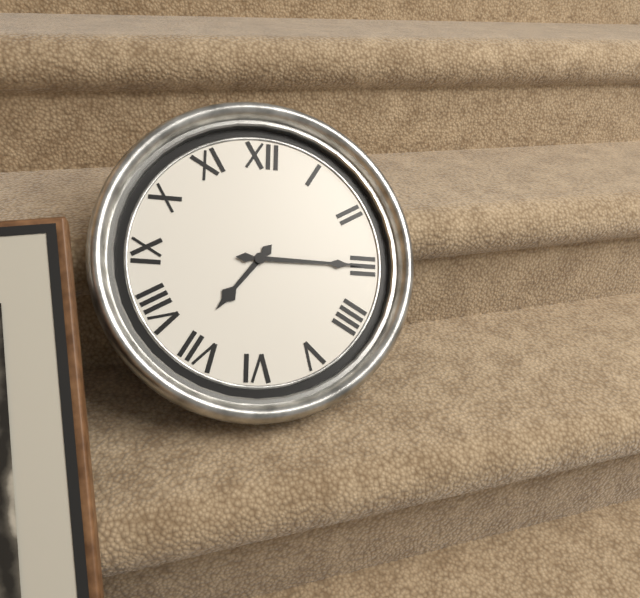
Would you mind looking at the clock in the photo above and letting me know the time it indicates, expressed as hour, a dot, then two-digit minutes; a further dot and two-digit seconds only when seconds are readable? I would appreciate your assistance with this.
7.15
